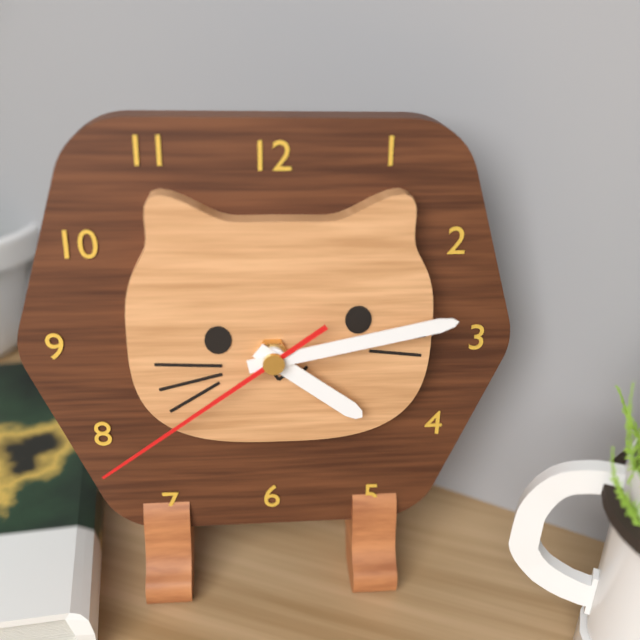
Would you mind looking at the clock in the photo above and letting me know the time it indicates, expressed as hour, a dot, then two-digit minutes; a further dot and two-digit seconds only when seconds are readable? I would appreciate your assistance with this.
4.13.39
